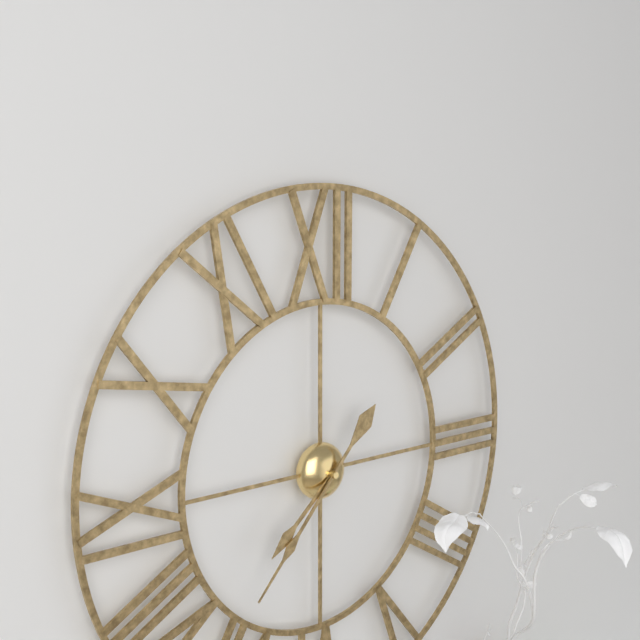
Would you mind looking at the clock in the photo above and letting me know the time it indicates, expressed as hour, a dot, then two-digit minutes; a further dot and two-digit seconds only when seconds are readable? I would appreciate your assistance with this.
7.37
